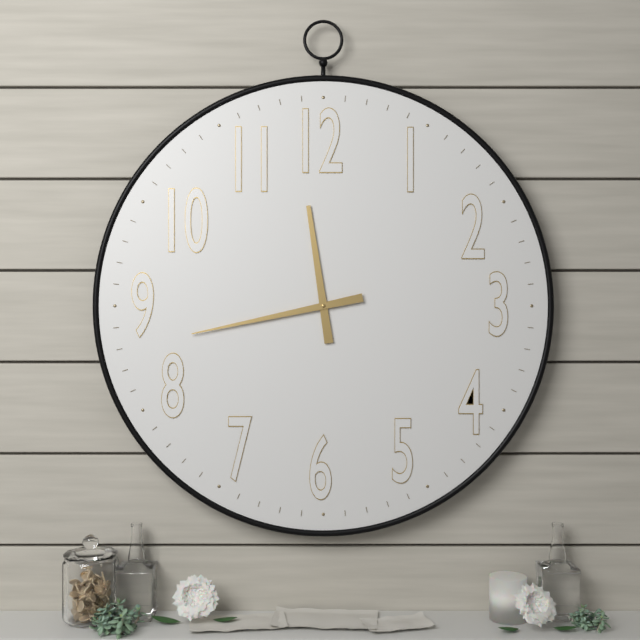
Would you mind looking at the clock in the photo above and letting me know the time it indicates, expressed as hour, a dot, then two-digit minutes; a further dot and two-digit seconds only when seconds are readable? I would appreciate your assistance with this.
11.43
